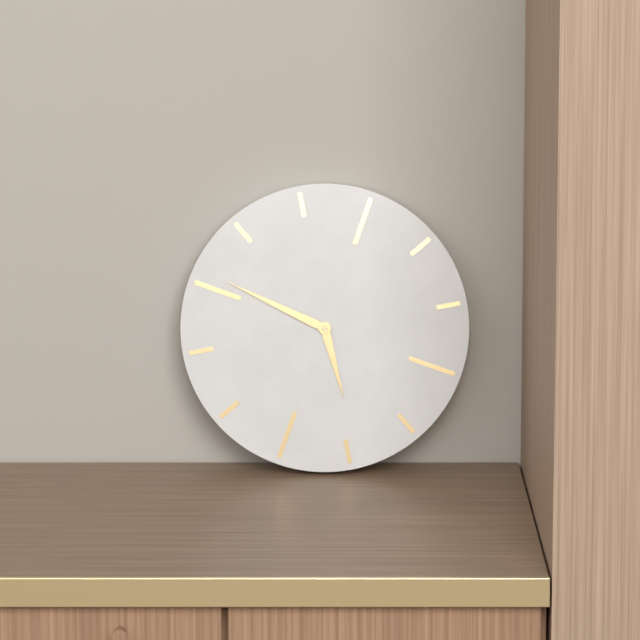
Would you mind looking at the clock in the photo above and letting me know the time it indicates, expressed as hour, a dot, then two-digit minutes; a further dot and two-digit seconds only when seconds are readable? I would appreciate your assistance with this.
5.51
